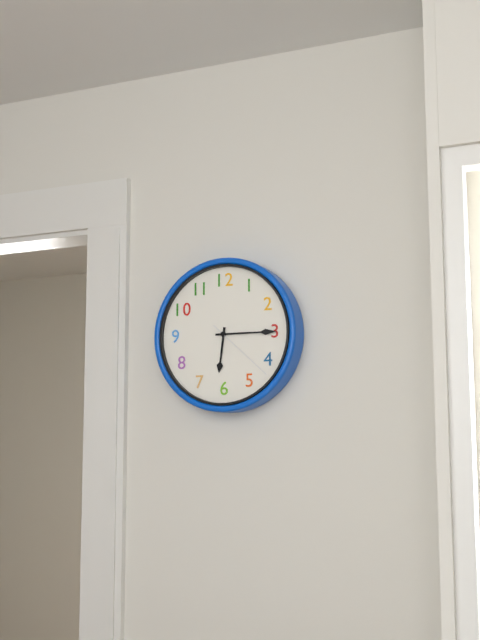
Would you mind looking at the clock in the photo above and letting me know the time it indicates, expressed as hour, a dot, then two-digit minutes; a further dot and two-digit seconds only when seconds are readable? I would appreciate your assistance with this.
6.15.22
